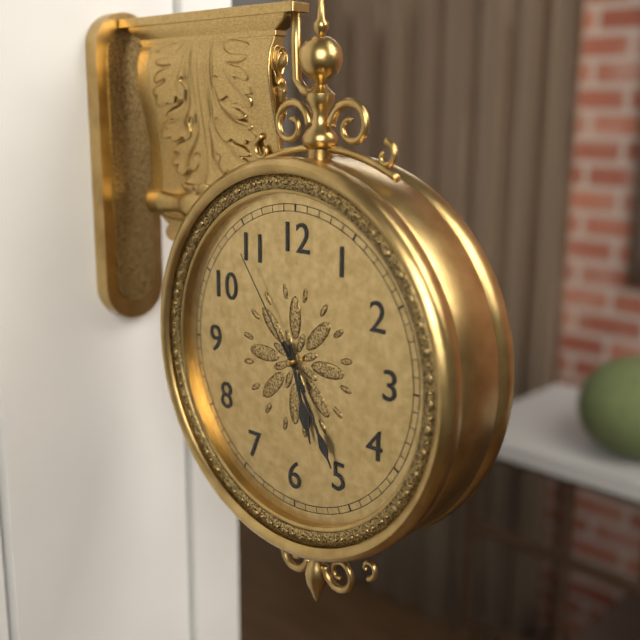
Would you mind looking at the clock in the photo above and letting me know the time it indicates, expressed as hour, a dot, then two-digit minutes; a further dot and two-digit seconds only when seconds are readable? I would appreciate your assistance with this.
5.25.54
